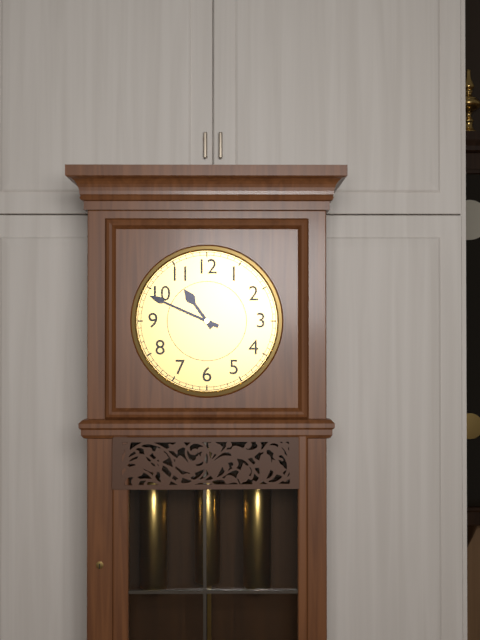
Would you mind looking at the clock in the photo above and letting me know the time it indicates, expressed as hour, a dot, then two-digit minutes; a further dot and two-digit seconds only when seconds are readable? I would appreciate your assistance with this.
10.49
